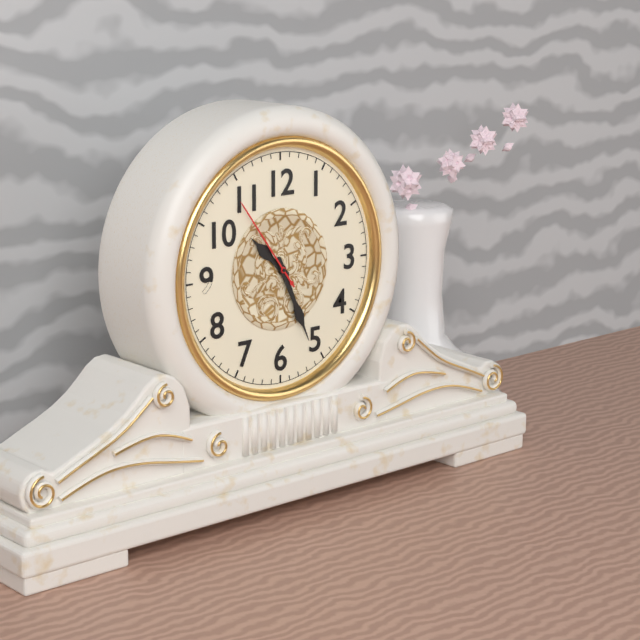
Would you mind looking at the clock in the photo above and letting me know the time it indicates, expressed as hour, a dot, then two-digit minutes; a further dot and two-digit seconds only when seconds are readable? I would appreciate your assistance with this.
10.26.54
